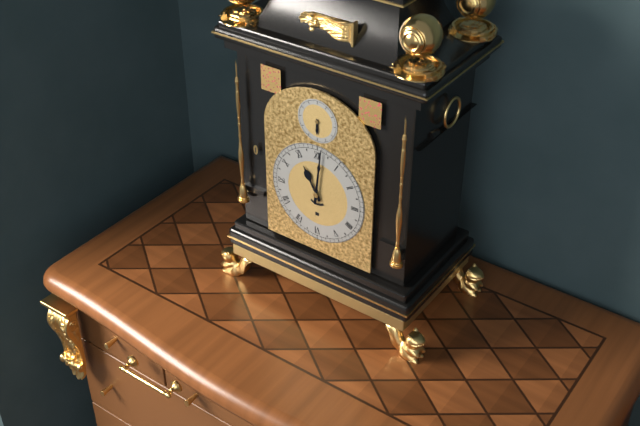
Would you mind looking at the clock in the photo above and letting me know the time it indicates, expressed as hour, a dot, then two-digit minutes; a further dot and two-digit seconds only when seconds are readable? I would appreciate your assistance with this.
11.01
